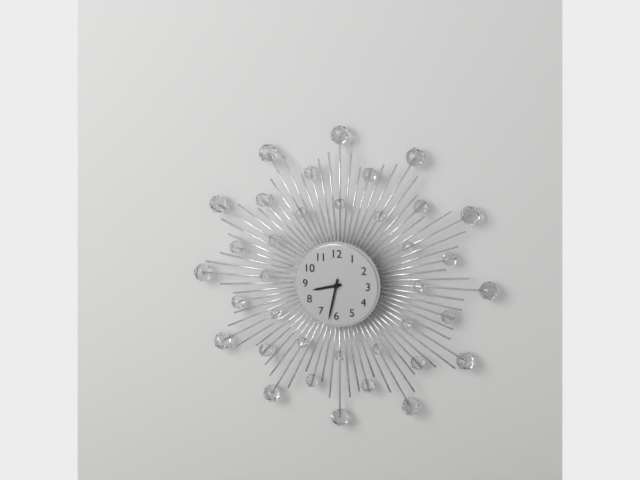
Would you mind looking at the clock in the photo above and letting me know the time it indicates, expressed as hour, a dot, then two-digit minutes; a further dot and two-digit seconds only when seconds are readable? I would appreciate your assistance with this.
8.32
